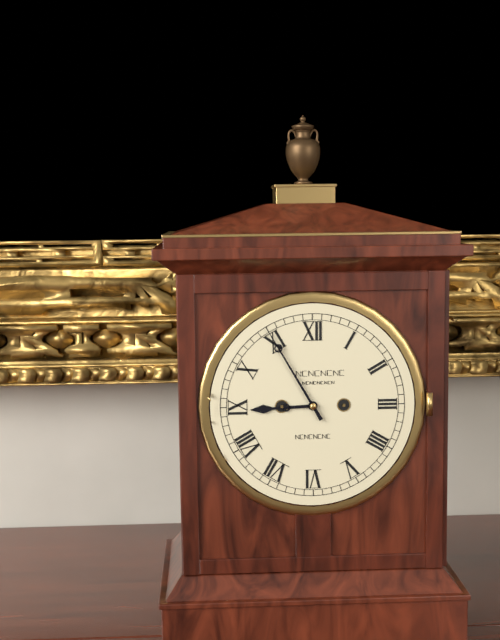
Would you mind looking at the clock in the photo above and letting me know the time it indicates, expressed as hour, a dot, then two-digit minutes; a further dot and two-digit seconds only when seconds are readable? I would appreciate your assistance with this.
8.55
